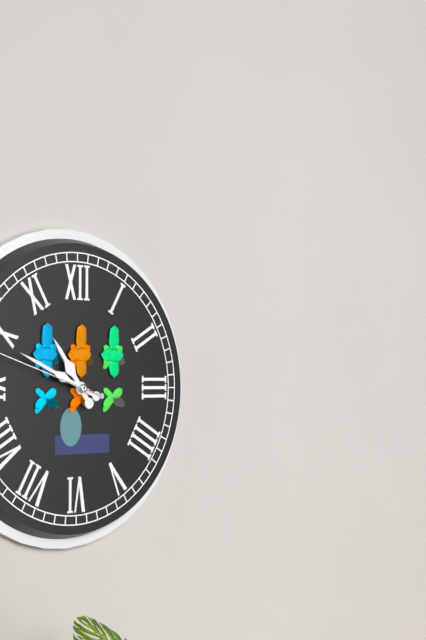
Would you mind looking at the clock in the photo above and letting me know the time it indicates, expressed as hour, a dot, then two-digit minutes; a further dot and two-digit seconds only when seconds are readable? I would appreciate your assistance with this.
10.49
